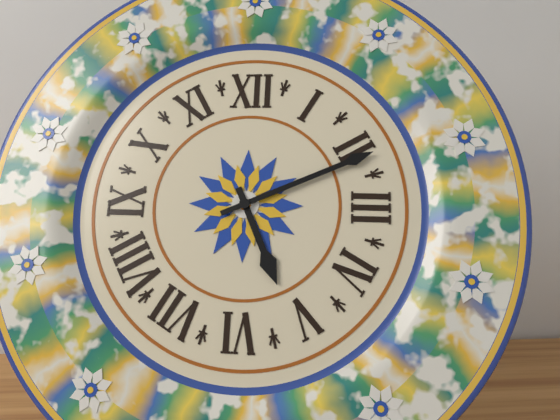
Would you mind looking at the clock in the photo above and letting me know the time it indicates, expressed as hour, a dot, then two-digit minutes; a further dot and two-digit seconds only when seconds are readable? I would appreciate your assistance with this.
5.11
